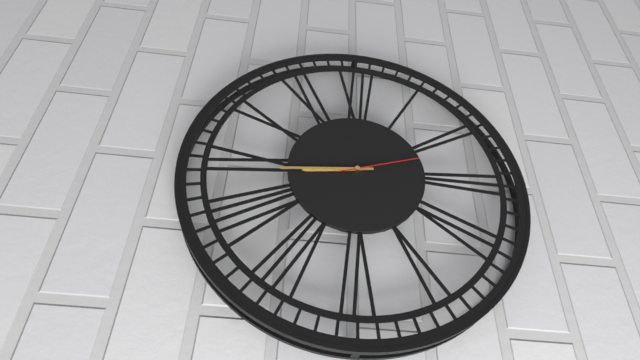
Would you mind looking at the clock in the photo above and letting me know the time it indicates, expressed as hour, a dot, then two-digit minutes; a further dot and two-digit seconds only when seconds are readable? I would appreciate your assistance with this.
8.44.12
